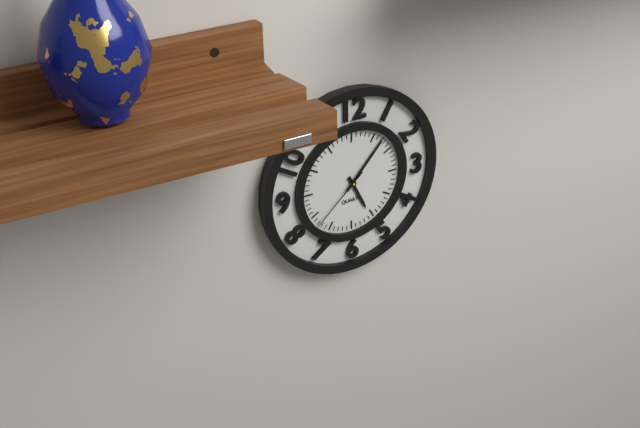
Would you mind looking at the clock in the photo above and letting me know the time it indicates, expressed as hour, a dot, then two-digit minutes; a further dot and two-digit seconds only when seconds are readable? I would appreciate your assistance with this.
5.07.38
